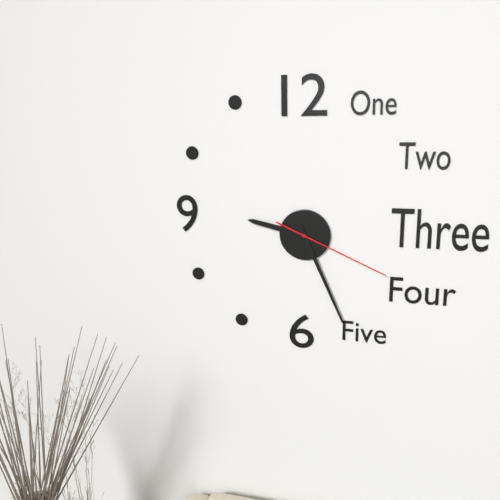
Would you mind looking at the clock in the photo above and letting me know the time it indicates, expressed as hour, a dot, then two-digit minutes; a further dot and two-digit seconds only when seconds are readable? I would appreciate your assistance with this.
9.26.19
